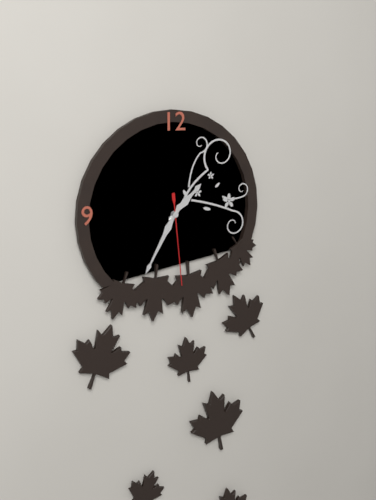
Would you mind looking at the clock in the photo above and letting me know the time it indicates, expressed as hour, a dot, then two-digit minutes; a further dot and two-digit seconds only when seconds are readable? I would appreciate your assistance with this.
1.35.29
